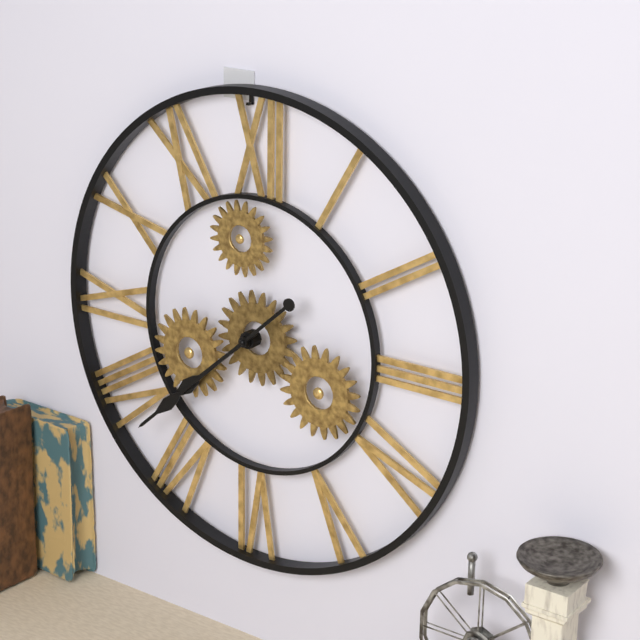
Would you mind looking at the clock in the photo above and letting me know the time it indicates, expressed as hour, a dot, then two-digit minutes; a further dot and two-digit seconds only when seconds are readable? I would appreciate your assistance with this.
7.38
